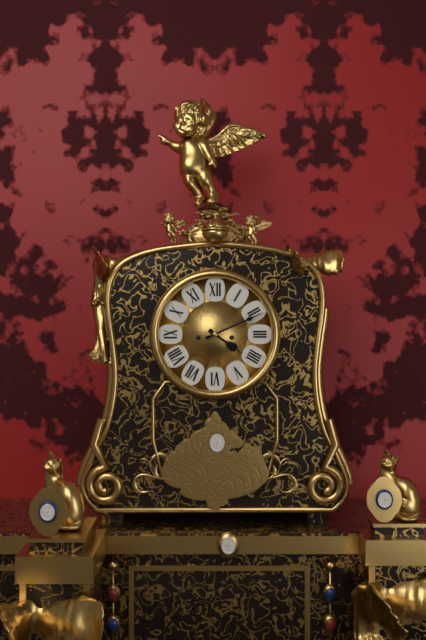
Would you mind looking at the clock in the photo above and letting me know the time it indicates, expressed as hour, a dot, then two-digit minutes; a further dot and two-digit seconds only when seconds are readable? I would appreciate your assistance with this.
4.11
